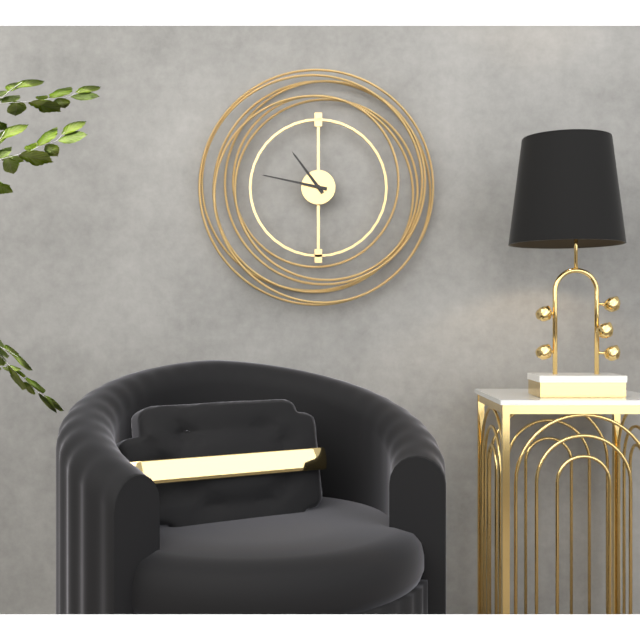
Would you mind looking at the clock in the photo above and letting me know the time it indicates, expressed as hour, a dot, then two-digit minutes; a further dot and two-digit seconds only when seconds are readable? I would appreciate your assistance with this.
10.47
